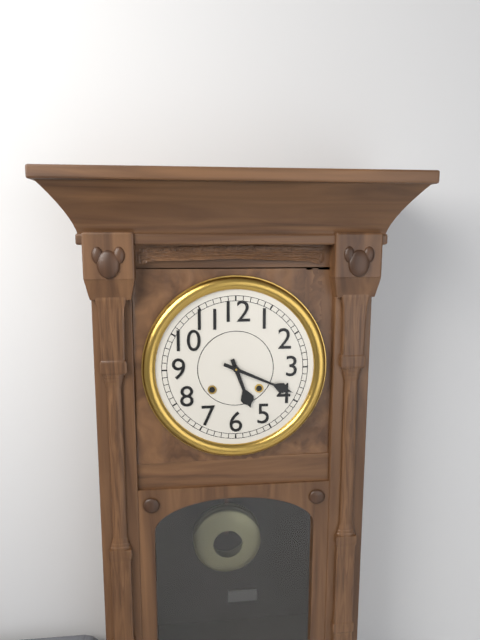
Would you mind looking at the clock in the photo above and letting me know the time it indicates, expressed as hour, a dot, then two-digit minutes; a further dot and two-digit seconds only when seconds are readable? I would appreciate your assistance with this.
5.19
